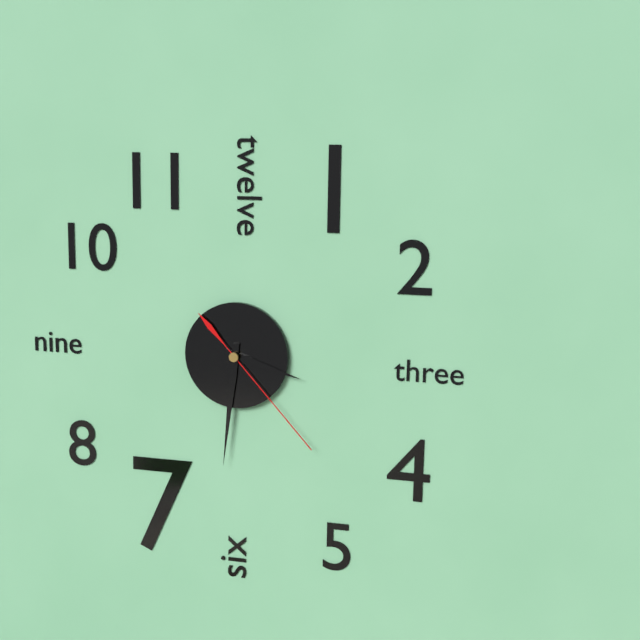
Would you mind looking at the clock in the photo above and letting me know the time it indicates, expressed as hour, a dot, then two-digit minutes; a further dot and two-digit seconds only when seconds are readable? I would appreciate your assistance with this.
3.31.23
